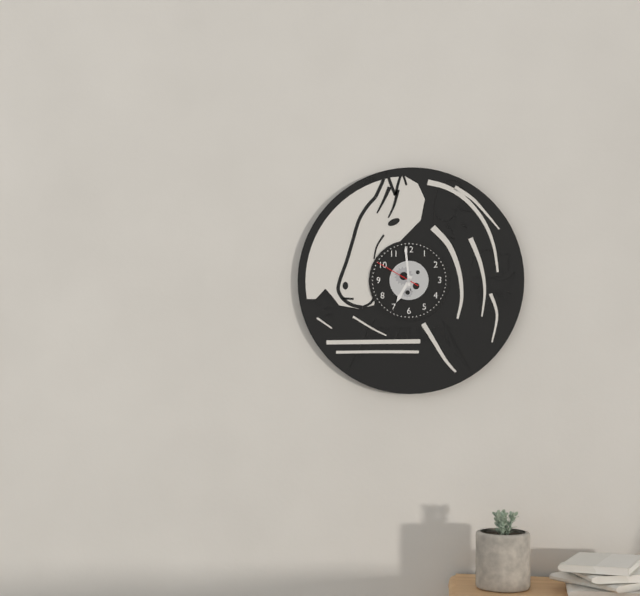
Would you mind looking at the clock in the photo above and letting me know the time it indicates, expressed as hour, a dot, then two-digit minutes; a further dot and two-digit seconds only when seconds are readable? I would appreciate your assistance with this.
6.59
